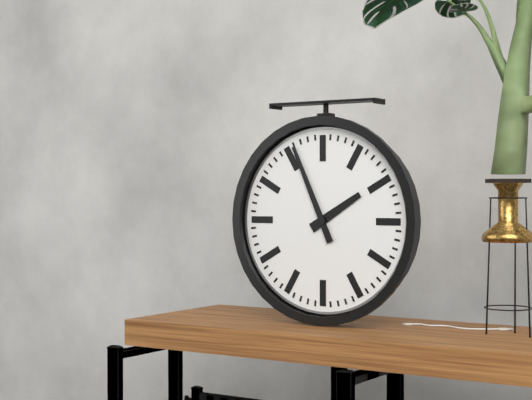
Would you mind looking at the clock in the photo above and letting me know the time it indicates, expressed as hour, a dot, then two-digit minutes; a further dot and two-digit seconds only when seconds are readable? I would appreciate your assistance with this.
1.56
